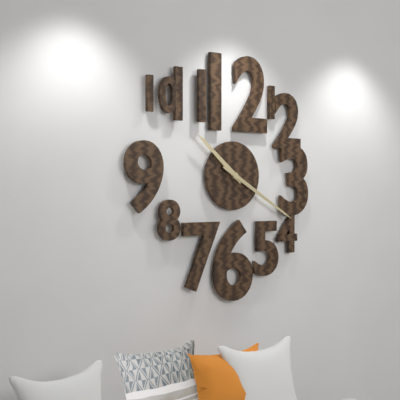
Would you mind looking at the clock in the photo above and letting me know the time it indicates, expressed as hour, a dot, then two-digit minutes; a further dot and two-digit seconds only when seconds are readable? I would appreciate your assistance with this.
10.20
